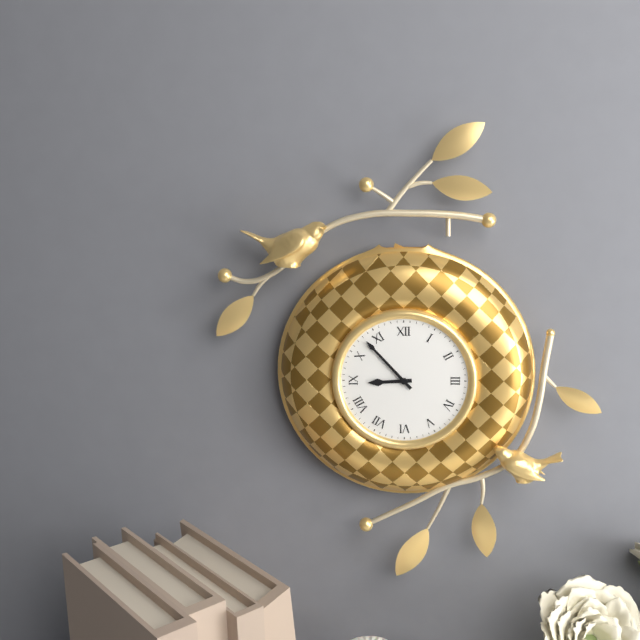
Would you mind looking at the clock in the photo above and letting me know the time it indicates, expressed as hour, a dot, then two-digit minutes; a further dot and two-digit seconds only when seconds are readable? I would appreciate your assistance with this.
8.53
